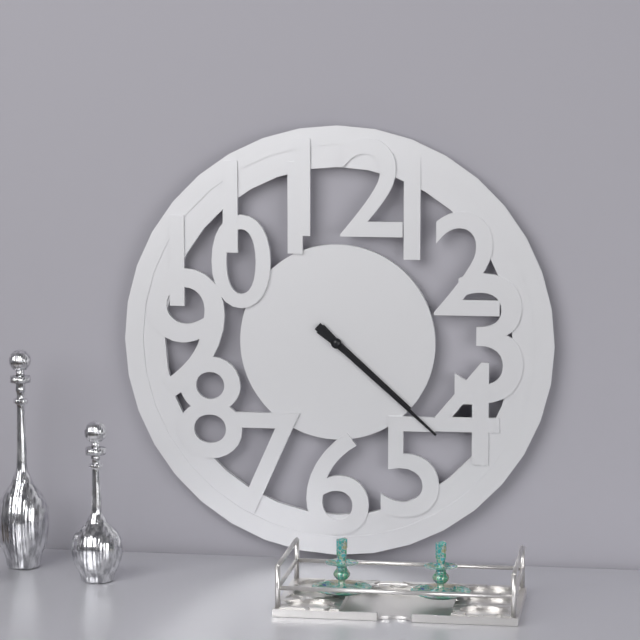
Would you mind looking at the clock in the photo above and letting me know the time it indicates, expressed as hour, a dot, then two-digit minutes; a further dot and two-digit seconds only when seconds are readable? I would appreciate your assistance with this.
4.22
